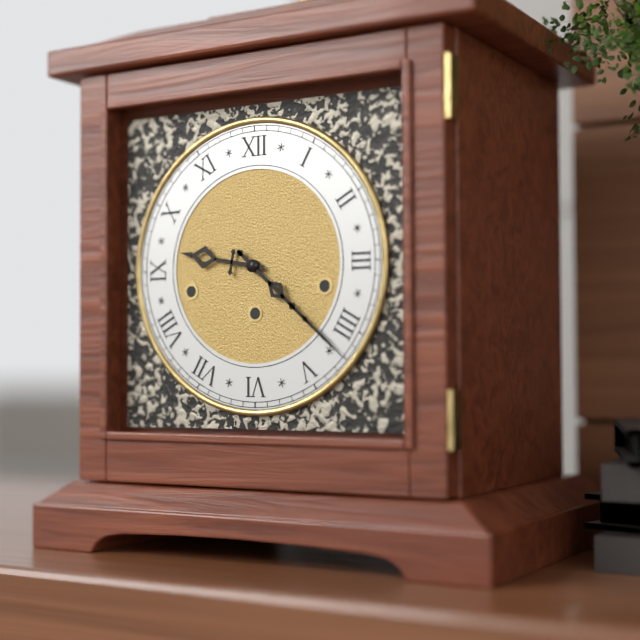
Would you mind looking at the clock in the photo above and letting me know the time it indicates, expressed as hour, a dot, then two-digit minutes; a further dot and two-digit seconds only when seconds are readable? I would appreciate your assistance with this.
9.22
